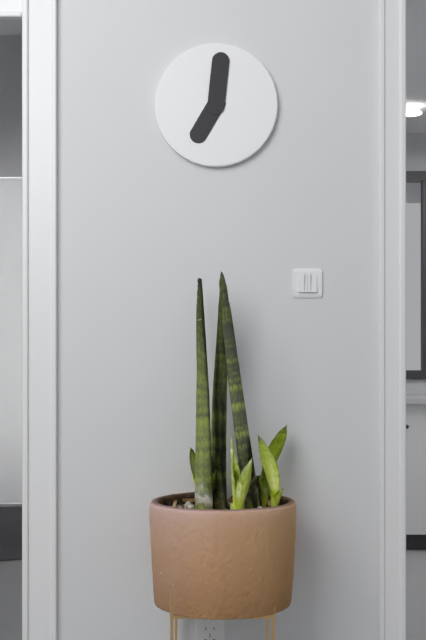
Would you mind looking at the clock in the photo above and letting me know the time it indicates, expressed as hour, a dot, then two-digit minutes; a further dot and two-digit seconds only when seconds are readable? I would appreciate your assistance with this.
7.01
